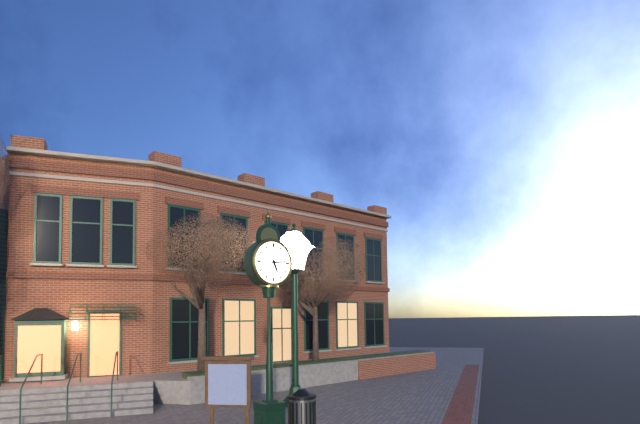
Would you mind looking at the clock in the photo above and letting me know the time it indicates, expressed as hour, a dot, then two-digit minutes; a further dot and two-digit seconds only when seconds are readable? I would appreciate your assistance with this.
5.14
